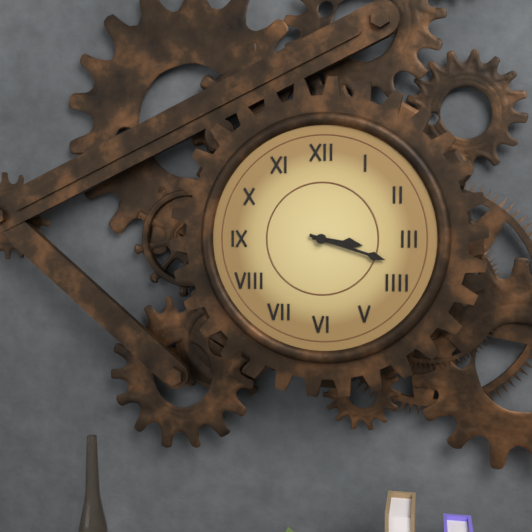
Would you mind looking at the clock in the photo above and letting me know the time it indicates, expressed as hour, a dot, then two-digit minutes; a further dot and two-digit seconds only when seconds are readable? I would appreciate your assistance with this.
3.18
